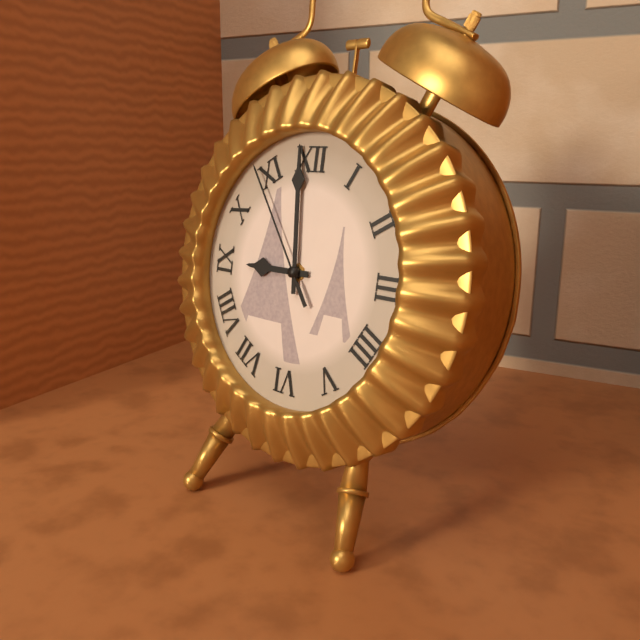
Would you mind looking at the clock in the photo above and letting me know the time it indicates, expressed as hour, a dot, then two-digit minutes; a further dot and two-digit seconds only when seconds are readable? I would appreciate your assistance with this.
8.59.54
